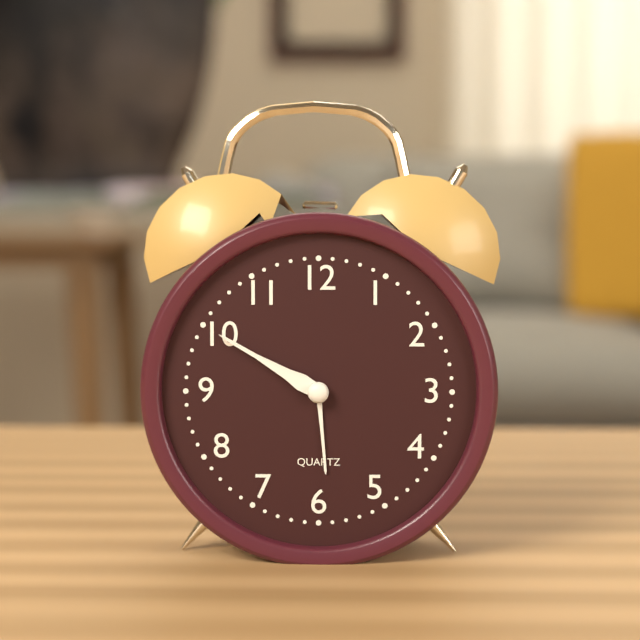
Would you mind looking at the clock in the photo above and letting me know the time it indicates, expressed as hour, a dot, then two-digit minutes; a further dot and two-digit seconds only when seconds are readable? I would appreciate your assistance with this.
5.50
